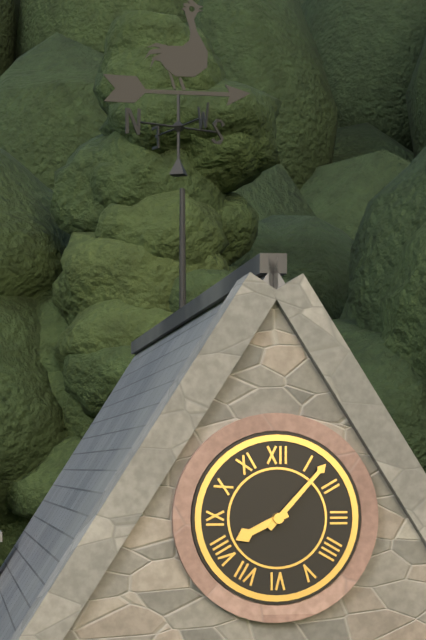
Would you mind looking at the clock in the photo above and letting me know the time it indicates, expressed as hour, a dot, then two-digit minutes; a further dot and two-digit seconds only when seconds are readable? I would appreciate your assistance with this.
8.07
